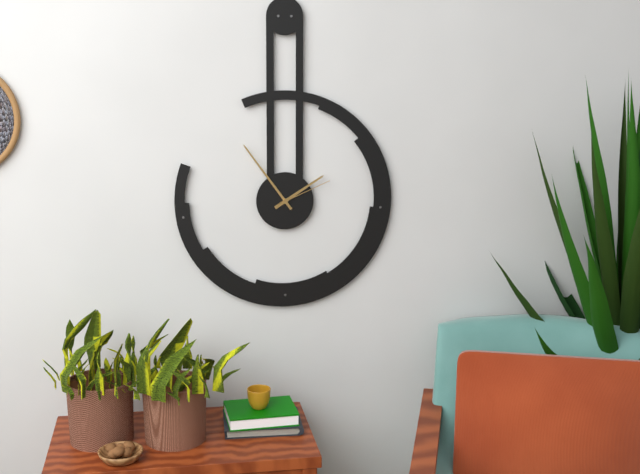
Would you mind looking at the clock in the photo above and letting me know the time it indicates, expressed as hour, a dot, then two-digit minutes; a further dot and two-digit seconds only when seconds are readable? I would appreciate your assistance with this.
1.54.11
